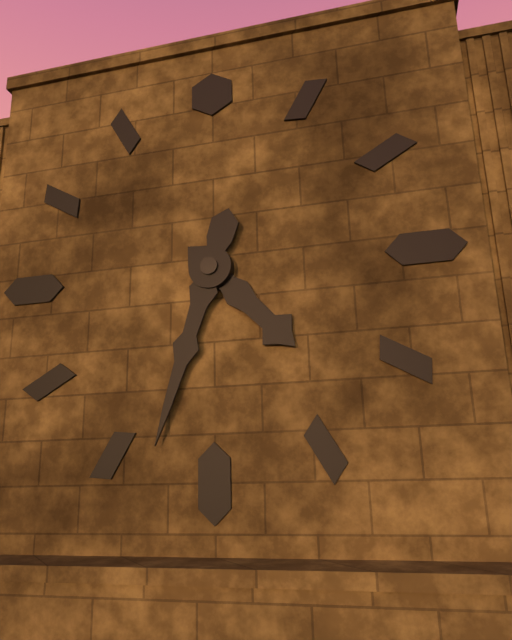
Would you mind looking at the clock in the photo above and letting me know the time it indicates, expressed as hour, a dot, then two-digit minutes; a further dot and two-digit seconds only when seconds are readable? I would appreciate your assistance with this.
4.33
